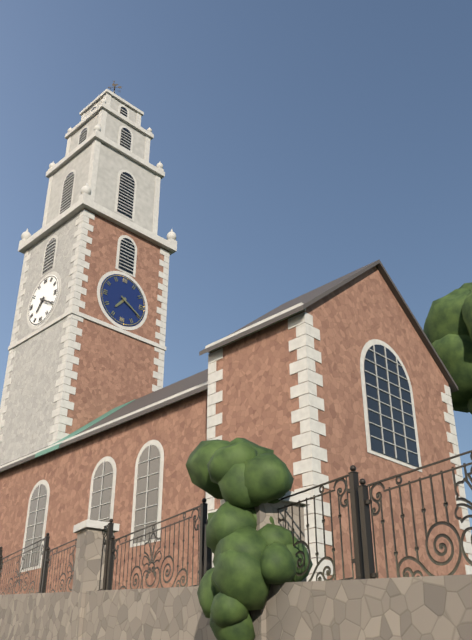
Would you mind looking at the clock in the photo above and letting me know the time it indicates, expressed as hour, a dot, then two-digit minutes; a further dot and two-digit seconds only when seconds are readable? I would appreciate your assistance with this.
7.20
